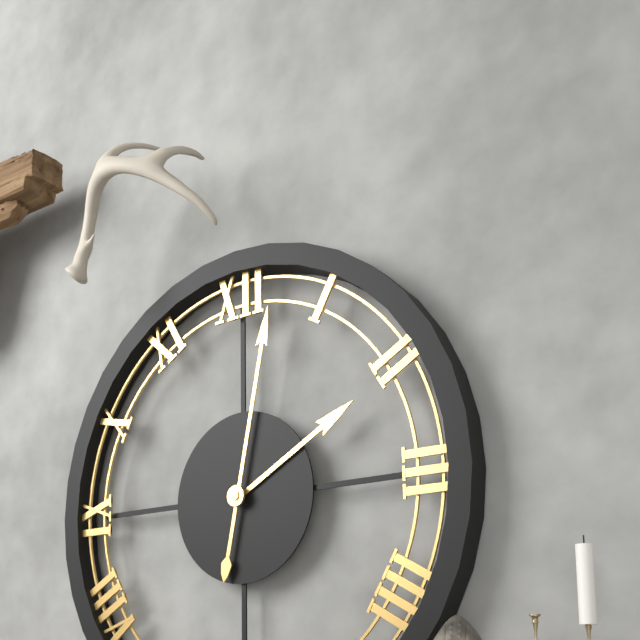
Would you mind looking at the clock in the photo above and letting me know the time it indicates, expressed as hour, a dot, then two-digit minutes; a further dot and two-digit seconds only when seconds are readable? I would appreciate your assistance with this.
2.02
